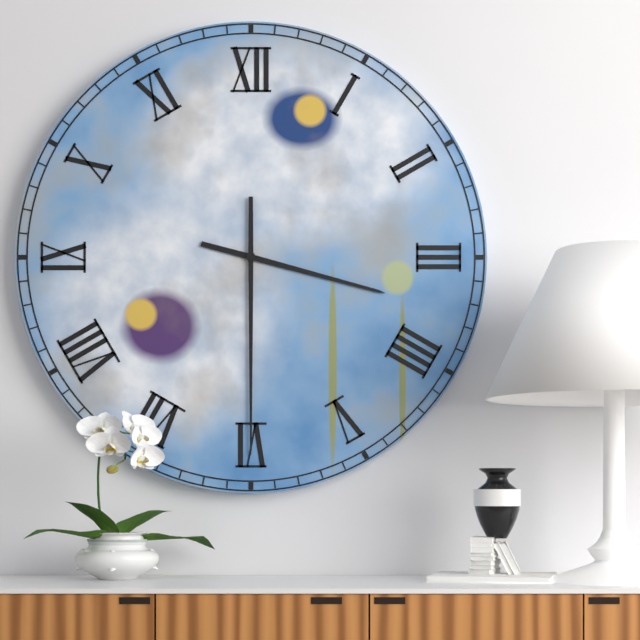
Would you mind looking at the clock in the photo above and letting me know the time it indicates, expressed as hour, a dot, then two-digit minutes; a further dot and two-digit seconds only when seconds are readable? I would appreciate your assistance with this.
3.30
